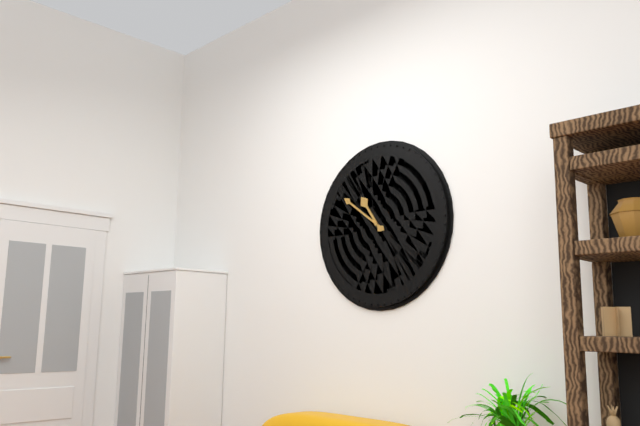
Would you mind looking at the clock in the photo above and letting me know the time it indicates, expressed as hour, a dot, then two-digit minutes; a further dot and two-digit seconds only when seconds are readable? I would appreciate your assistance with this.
10.51
